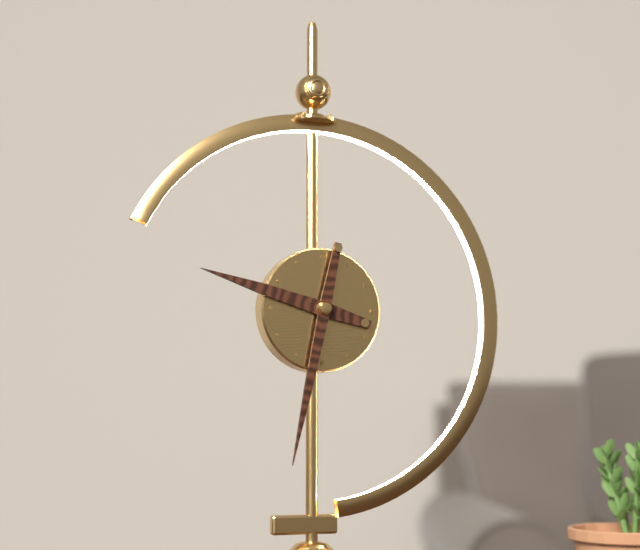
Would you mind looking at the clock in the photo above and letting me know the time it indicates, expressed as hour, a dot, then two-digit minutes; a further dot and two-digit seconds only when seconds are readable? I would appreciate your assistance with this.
9.32
